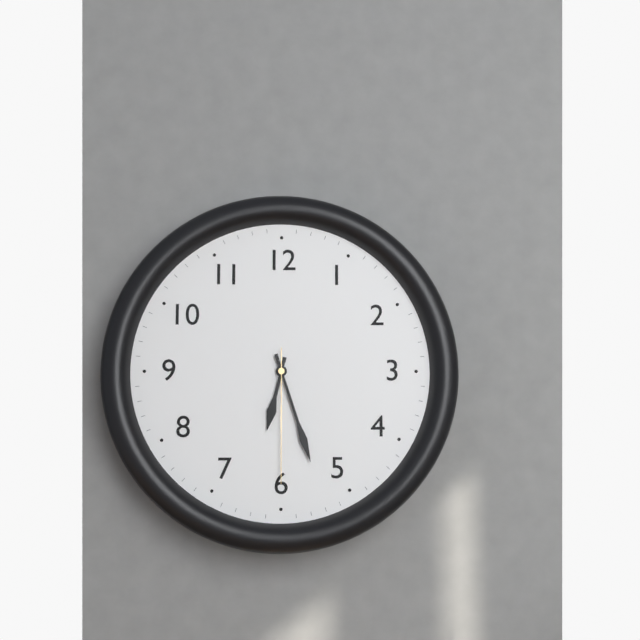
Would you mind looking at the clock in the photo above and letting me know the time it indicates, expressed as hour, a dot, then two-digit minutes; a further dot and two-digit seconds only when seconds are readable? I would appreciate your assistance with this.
6.27.30
